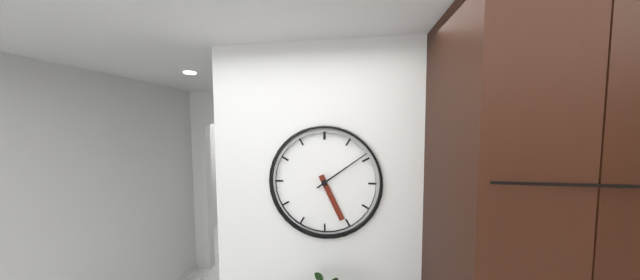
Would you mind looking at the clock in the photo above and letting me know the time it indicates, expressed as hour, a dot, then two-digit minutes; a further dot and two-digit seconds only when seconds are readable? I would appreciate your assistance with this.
5.09
